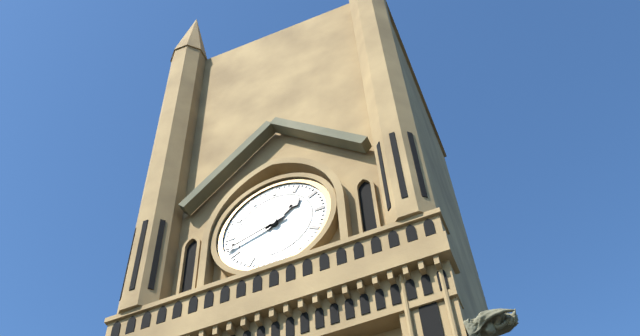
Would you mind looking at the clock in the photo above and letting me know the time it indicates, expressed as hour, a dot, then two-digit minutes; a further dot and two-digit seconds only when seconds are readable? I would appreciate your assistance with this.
1.42
